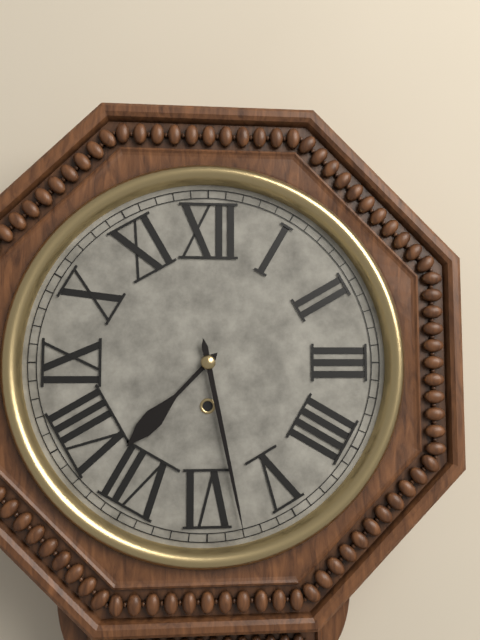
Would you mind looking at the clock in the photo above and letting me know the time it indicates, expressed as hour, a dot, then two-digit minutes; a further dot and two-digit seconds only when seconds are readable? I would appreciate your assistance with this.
7.28
